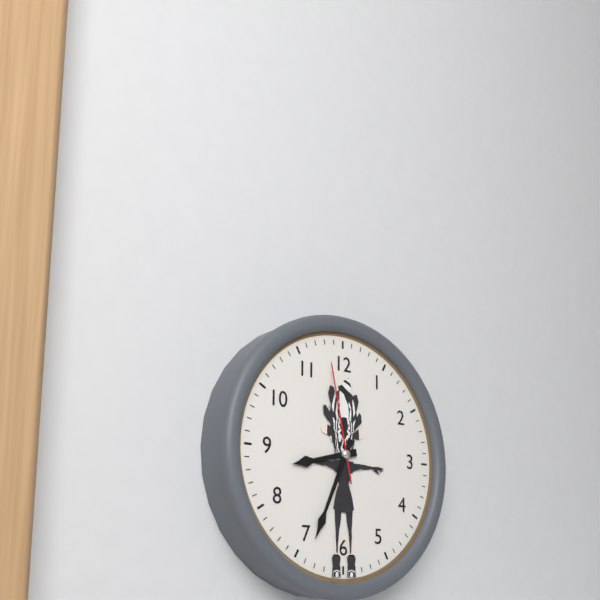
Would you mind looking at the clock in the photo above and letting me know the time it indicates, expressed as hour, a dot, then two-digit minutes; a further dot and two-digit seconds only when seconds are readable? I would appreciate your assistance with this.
8.34.58
